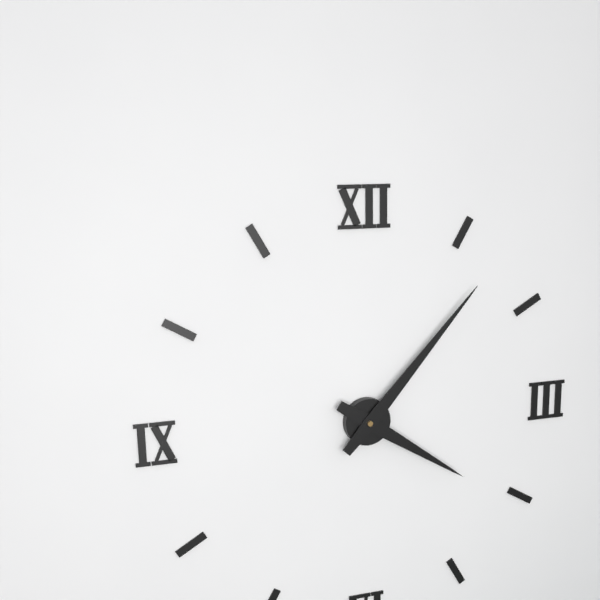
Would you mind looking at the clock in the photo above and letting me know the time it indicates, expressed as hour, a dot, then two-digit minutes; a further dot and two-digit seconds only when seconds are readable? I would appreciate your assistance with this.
4.07
